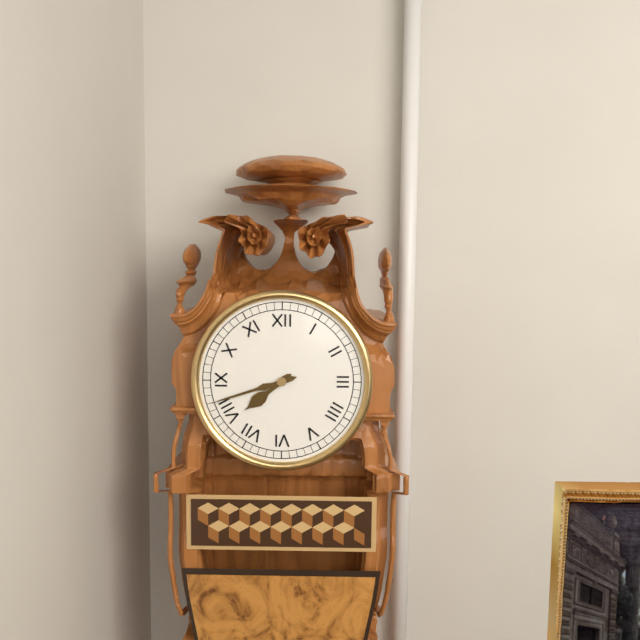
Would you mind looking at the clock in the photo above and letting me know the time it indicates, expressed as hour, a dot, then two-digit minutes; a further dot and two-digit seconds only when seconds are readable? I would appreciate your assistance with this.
7.42
